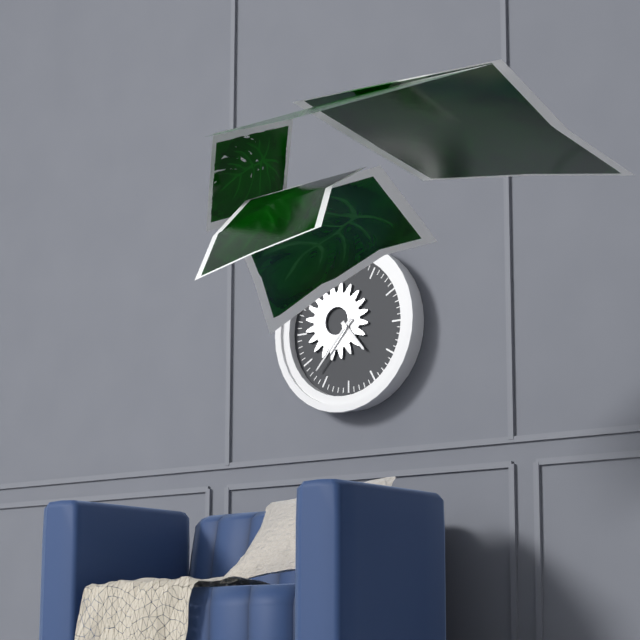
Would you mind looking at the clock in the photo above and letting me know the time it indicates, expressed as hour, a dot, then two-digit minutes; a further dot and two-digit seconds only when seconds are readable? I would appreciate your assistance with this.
4.37
